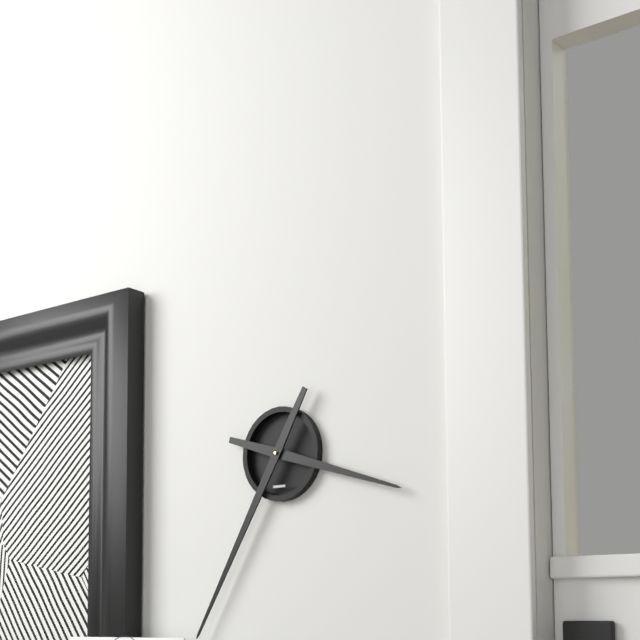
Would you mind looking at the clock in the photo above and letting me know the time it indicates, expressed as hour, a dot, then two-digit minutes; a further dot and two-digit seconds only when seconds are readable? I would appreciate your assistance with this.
3.35
